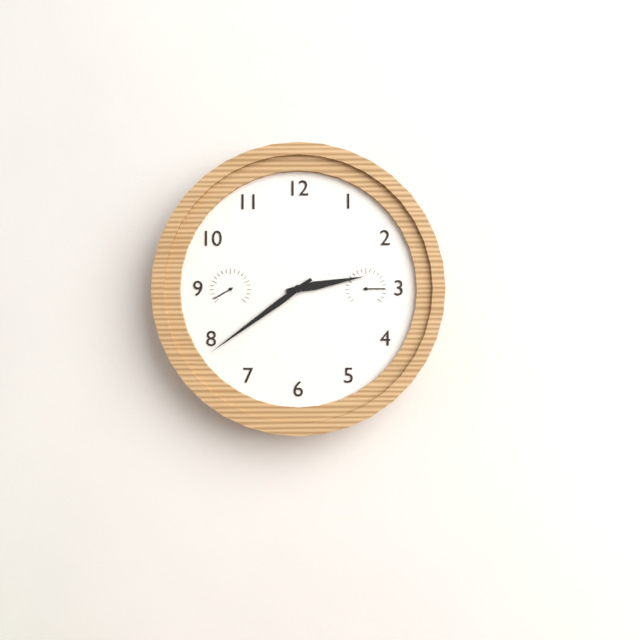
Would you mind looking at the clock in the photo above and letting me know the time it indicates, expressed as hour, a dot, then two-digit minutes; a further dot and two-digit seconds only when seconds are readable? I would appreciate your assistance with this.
2.39
